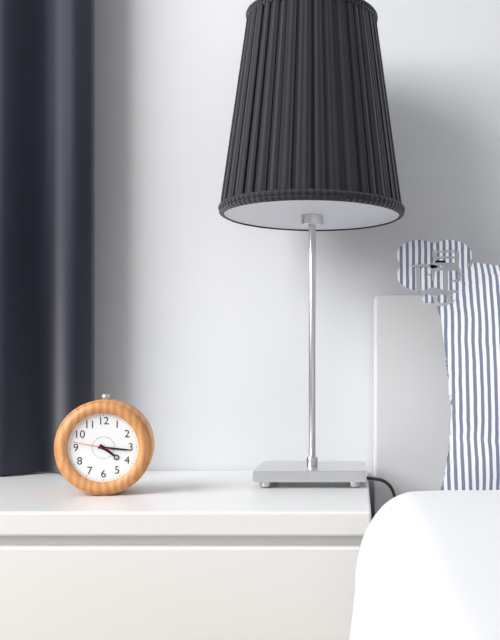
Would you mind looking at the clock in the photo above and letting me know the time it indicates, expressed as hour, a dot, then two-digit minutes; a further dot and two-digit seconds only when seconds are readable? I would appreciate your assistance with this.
4.16
